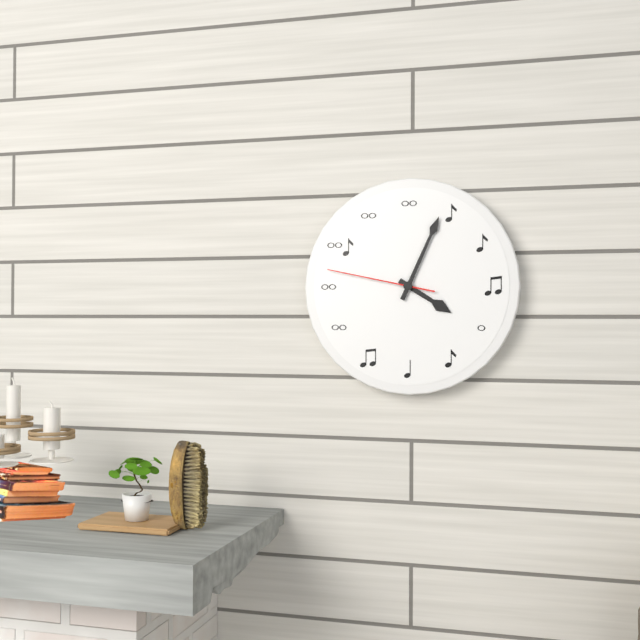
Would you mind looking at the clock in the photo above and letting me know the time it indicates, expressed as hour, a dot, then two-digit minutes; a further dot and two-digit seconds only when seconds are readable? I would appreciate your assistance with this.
4.04.47
